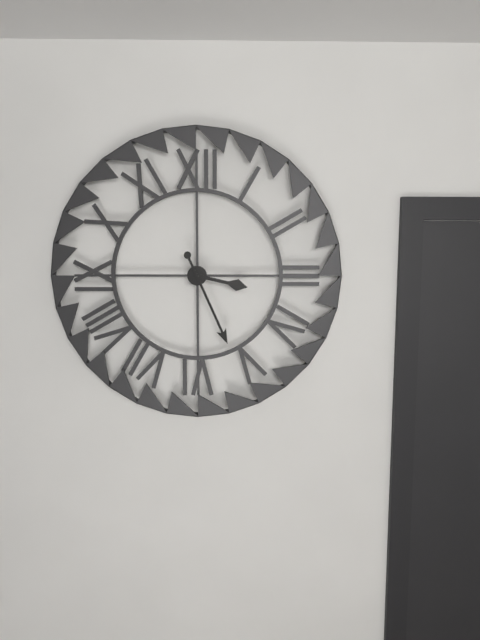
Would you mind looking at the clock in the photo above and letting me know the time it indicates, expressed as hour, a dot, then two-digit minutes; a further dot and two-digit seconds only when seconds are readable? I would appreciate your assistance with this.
3.26
